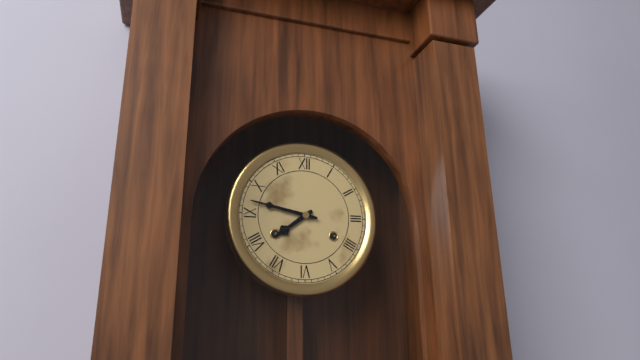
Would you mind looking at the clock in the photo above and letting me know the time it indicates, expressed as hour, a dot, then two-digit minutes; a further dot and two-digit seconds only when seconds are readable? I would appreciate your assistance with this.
7.47
